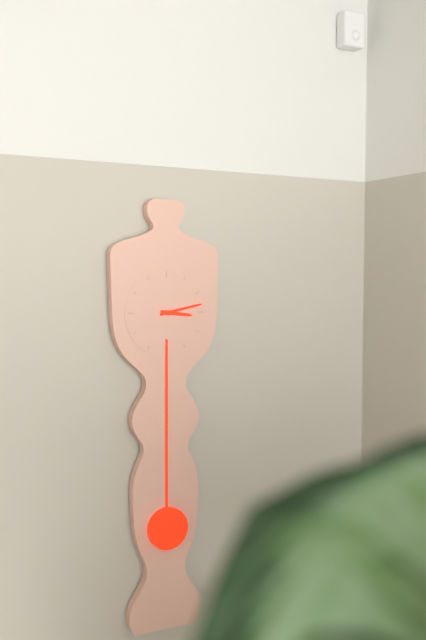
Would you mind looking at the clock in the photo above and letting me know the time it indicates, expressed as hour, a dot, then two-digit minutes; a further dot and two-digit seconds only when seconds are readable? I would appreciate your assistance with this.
3.13
